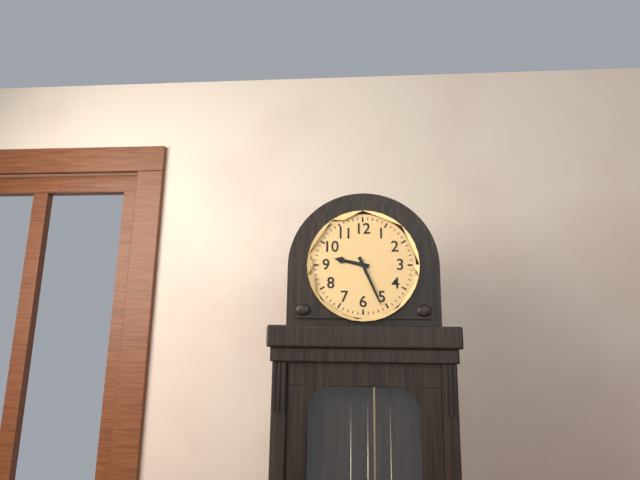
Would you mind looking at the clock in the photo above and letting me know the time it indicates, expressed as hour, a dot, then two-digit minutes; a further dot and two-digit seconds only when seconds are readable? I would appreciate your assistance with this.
9.26
